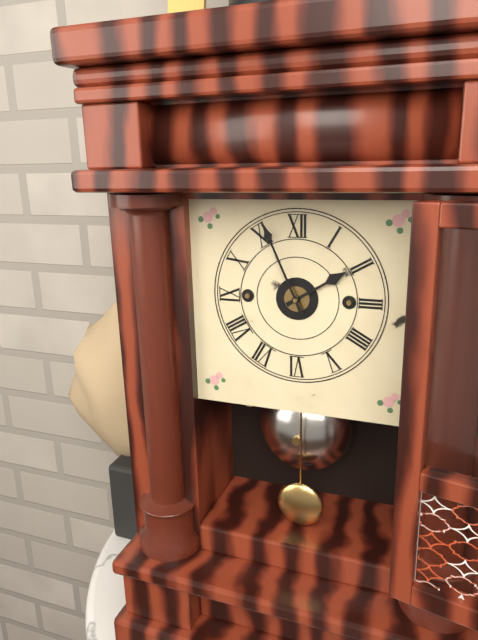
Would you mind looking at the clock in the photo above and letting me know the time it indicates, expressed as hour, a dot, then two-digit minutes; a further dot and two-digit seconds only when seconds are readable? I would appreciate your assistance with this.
1.56
